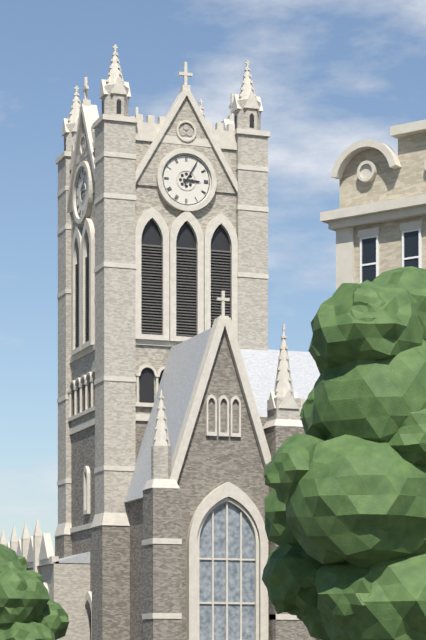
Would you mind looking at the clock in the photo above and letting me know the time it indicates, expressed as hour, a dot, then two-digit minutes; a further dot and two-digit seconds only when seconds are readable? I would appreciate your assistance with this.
3.05
